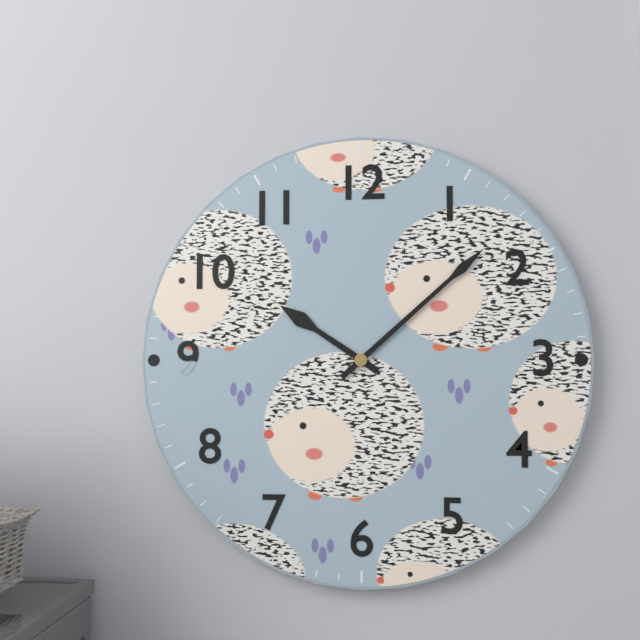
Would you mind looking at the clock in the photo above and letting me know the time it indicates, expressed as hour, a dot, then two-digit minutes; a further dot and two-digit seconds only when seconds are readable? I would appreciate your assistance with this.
10.08
